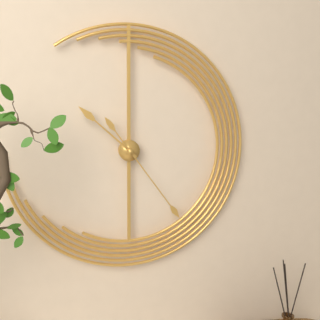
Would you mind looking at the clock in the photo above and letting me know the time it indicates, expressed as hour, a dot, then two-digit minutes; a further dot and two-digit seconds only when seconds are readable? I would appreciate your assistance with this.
10.24
